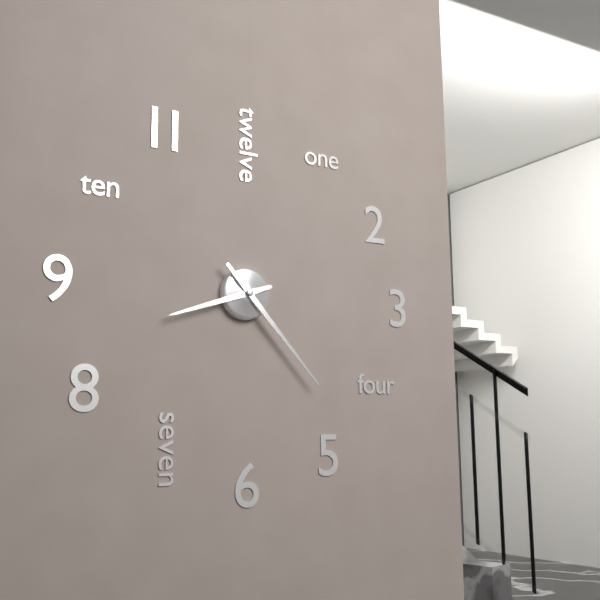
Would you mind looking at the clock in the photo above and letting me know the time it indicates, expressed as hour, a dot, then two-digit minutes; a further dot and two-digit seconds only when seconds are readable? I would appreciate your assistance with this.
8.23
